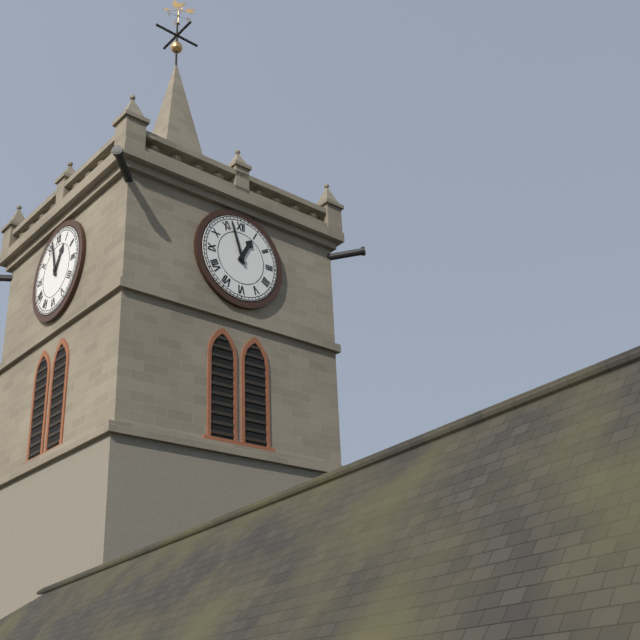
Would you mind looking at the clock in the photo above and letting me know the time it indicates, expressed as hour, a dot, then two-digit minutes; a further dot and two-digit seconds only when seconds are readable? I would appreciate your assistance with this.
12.57
